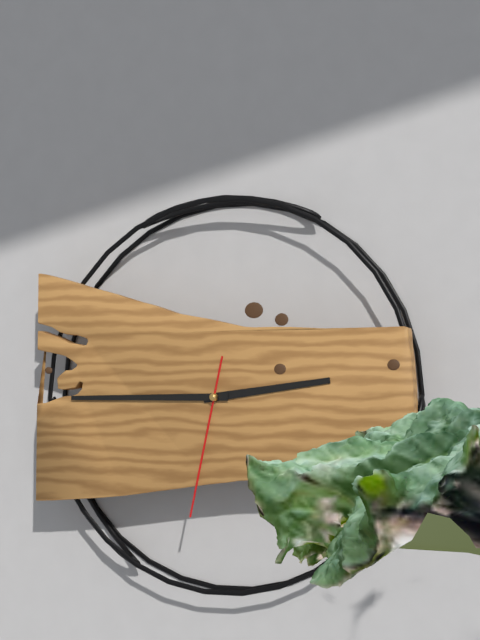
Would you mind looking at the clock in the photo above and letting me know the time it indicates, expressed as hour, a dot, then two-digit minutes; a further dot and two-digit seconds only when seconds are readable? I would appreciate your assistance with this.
2.45.32
